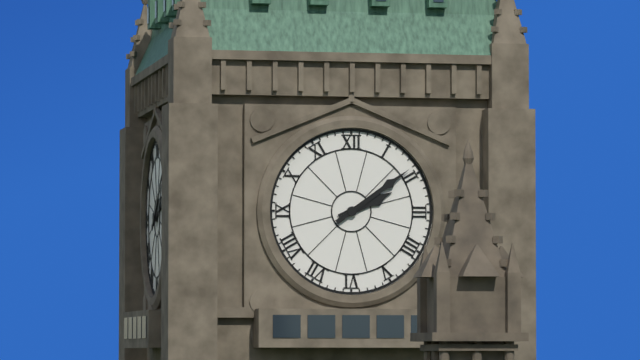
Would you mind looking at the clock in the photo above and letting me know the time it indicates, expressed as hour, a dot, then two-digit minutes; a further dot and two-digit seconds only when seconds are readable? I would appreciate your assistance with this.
2.09
